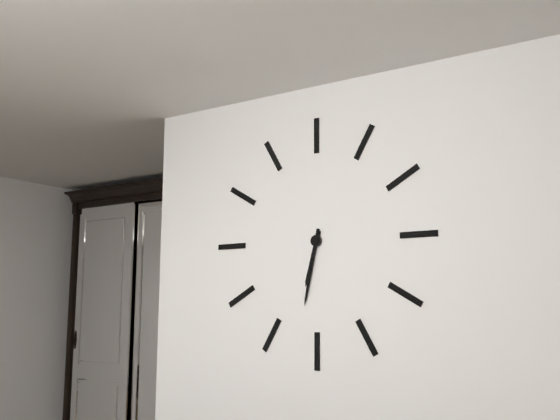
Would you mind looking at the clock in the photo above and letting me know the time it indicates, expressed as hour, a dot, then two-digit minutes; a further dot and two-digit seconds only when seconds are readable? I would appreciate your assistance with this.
6.32
